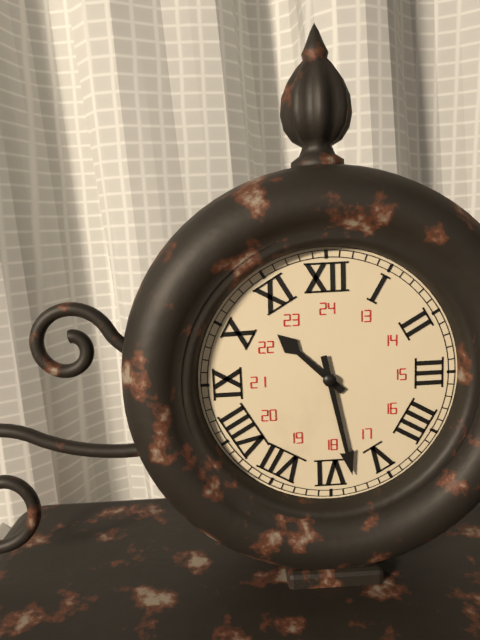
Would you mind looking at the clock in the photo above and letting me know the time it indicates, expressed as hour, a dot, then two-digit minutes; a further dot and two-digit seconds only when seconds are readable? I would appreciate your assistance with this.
10.28
